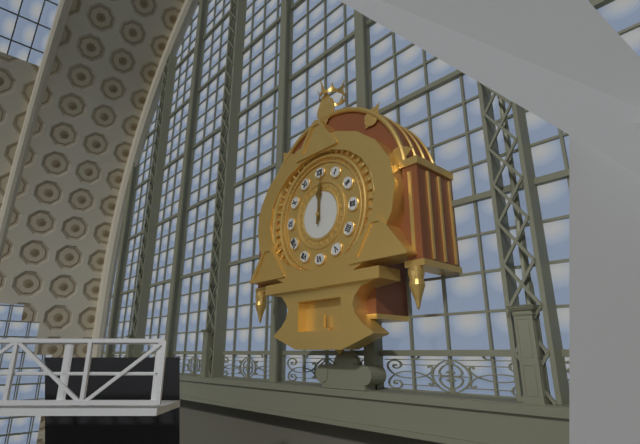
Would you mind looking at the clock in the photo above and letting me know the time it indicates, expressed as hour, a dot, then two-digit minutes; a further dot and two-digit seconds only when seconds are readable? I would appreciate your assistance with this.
12.01
